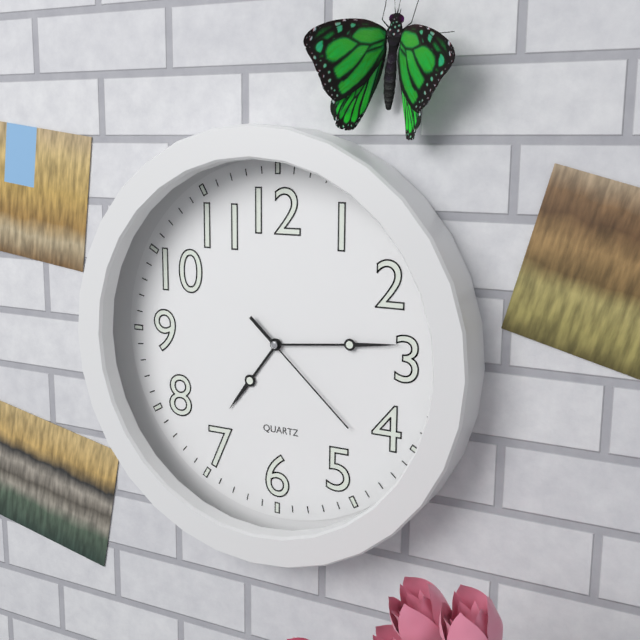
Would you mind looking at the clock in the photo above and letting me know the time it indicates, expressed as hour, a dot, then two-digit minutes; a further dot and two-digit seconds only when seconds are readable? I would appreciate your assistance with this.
7.14.22
